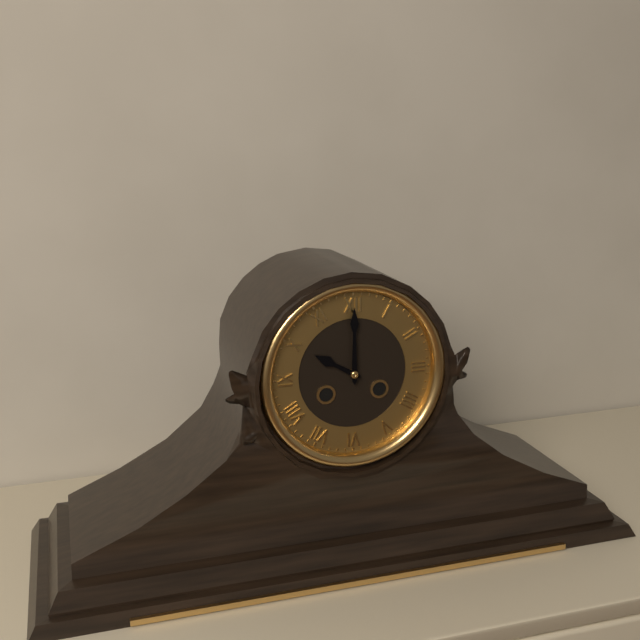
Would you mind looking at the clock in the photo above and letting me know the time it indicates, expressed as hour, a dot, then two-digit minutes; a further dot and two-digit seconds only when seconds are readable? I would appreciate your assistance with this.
10.00
